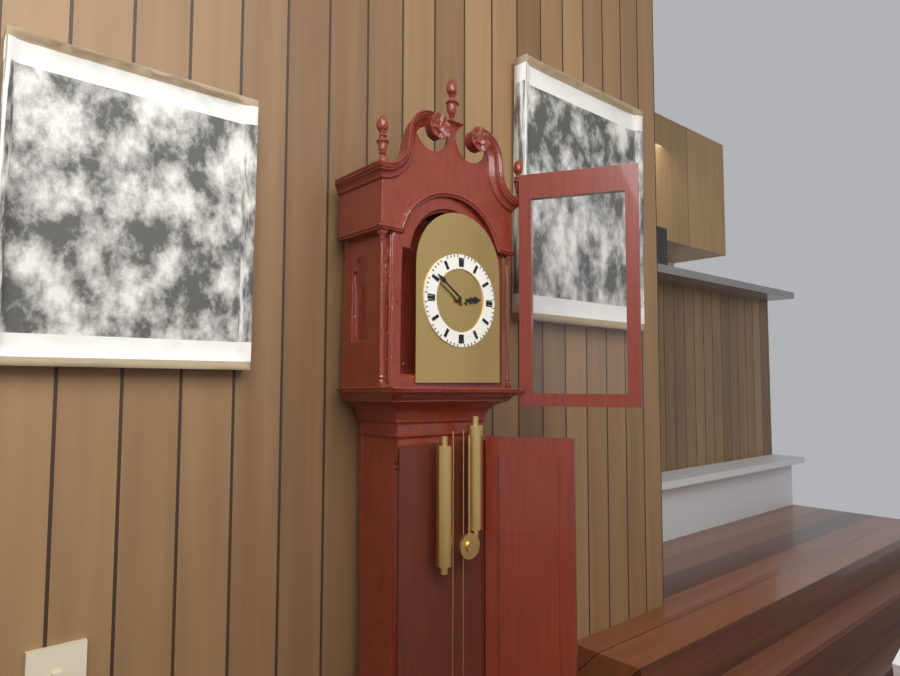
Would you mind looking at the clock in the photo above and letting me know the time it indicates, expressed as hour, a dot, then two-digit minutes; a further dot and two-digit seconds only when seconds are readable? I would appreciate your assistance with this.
2.51
